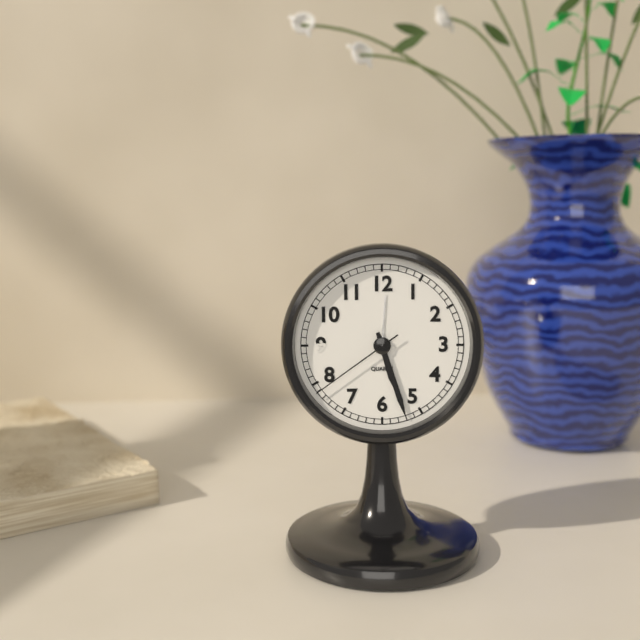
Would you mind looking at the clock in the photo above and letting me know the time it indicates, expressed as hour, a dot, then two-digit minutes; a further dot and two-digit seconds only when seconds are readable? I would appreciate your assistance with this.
5.27.39
